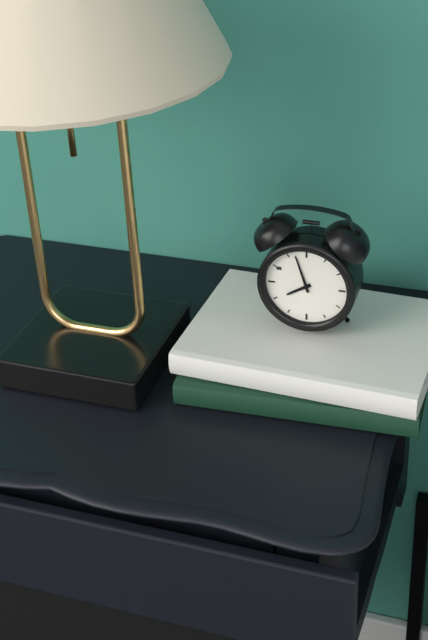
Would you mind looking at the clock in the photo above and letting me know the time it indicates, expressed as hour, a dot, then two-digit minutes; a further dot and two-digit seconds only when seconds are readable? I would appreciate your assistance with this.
7.57
